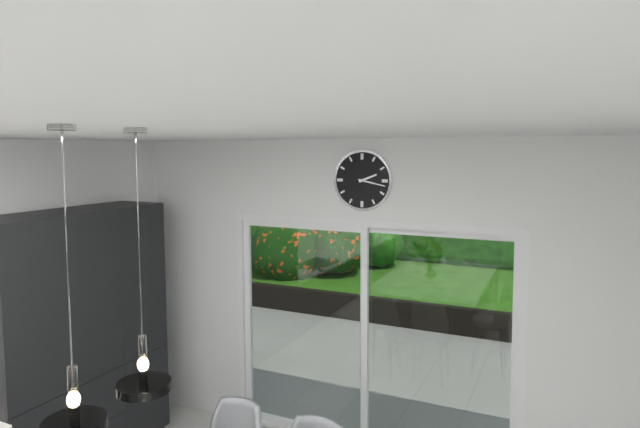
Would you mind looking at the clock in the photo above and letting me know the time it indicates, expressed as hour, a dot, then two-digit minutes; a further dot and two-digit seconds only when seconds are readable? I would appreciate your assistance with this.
2.17
